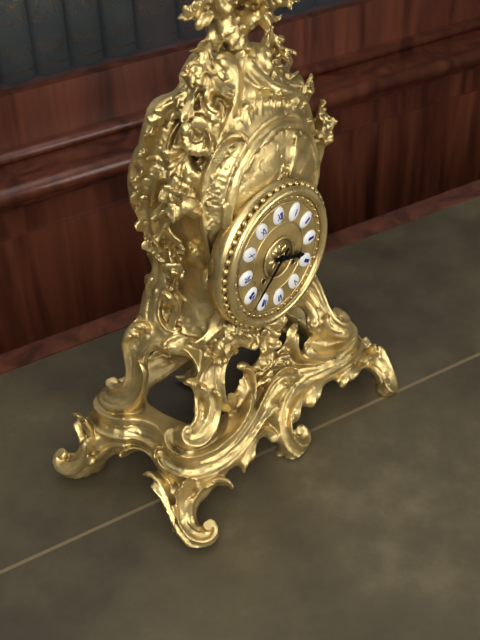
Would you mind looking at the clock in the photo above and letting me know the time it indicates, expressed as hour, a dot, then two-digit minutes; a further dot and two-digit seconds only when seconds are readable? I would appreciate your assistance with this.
3.38
